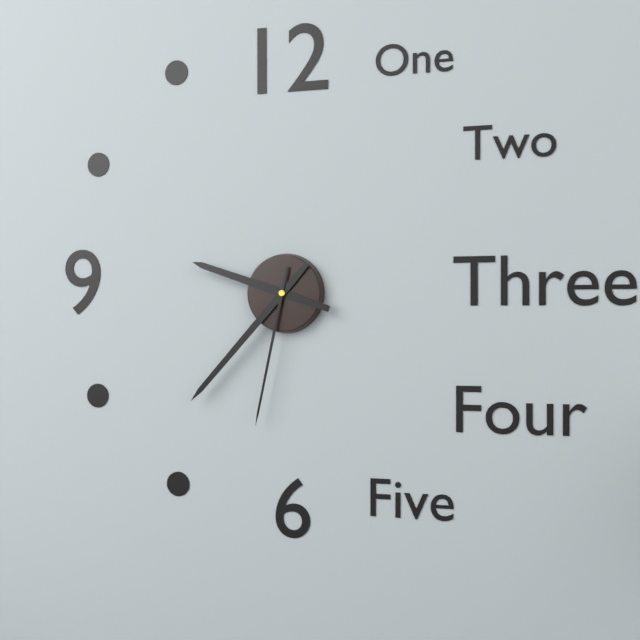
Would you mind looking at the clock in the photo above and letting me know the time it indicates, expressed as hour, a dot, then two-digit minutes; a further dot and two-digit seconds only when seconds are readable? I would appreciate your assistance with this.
9.37.32
